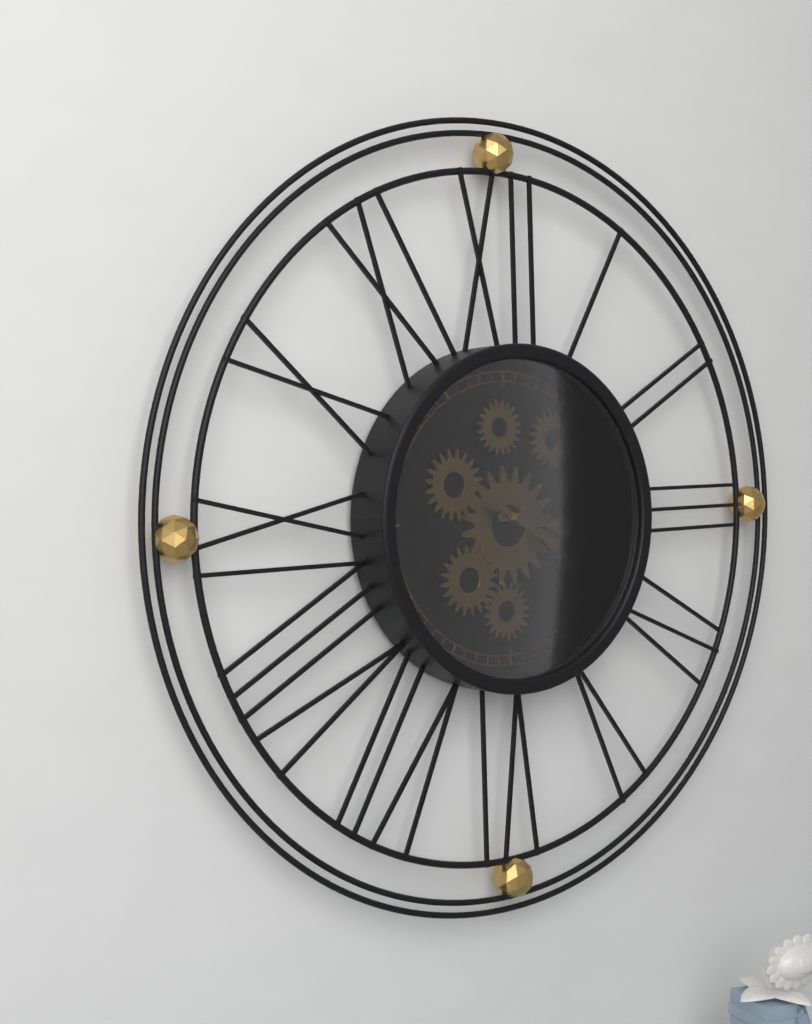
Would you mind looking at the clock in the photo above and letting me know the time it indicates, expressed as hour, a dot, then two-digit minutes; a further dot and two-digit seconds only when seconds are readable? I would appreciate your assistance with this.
3.20
